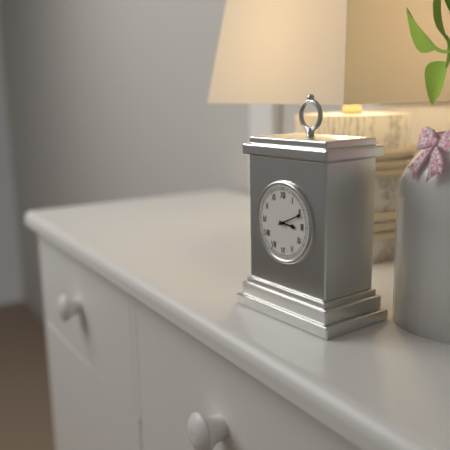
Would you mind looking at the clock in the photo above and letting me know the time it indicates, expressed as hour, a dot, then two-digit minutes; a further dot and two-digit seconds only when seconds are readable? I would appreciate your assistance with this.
3.11
